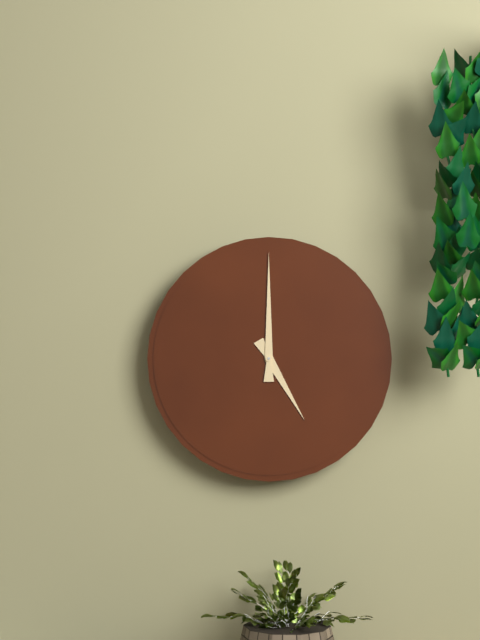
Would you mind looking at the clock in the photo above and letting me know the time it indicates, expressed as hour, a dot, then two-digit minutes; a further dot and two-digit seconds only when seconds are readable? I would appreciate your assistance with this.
5.00
